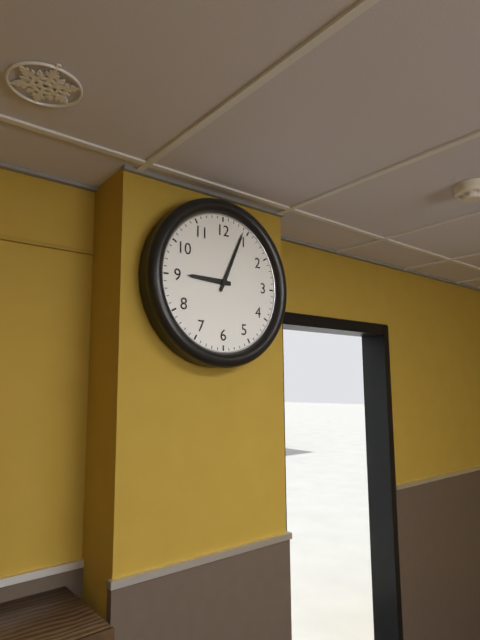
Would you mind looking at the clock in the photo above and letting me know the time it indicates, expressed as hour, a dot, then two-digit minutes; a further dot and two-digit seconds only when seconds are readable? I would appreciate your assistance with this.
9.04
